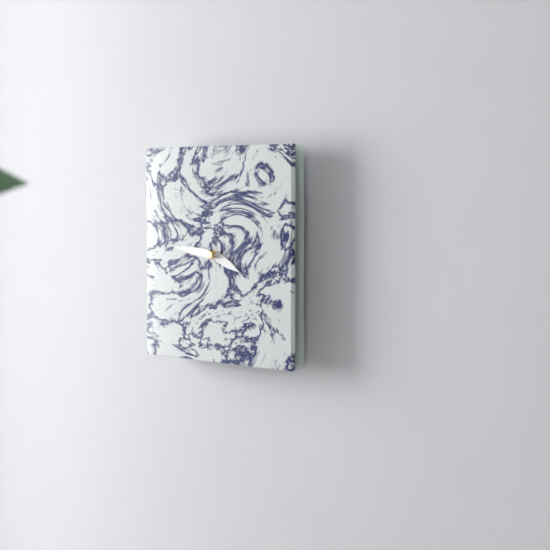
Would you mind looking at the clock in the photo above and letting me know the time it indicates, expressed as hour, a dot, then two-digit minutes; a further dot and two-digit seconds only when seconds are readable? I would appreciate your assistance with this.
3.46
